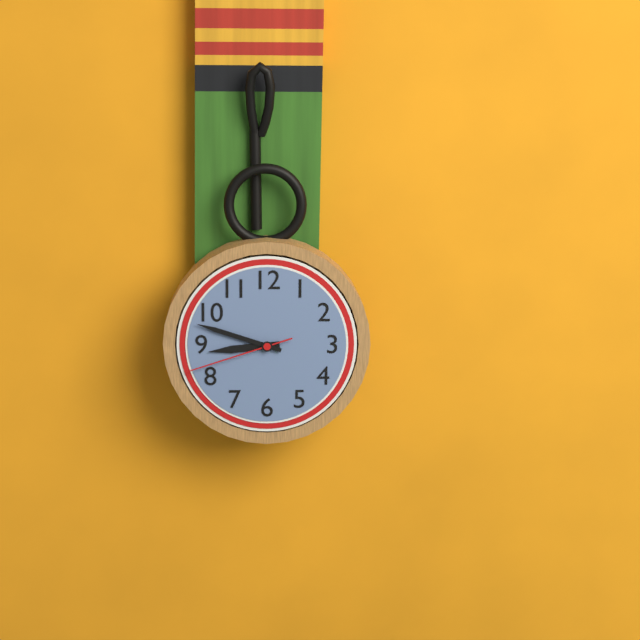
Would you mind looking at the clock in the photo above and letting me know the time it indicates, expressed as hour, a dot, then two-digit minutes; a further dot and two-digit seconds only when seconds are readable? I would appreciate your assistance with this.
8.48.42
